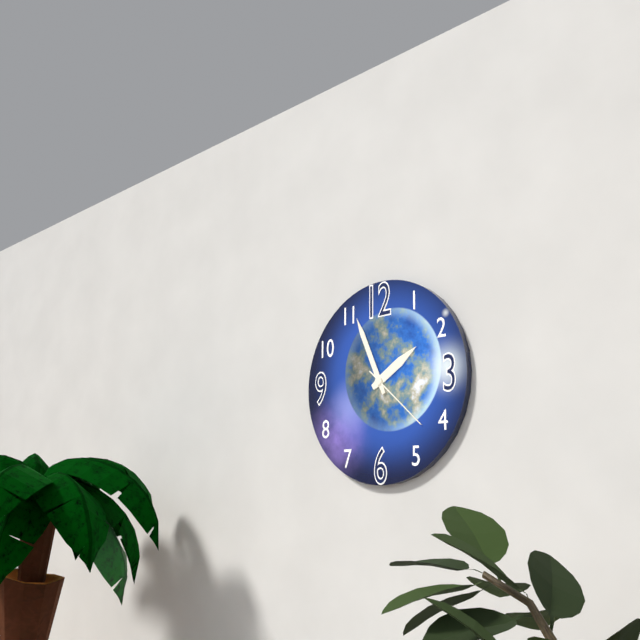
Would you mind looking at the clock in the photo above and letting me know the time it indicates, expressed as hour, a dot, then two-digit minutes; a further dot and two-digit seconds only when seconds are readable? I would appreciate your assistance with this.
1.56.22
